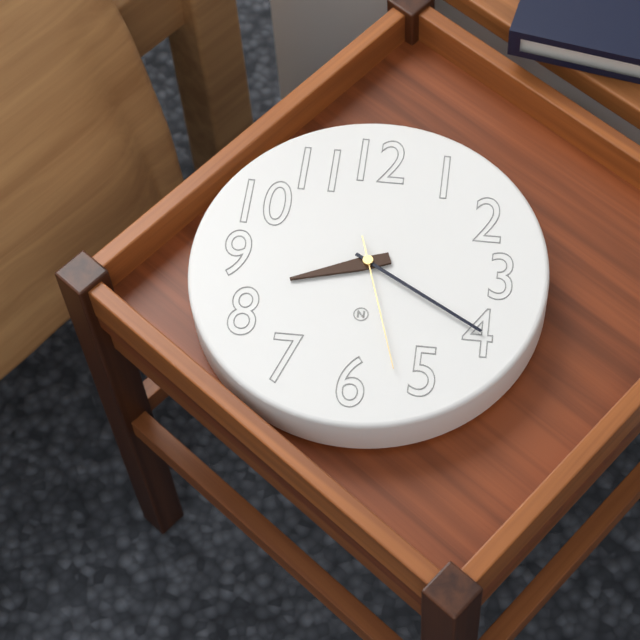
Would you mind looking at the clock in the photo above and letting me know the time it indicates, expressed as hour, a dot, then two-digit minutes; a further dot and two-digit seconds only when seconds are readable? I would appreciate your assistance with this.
8.20.27
